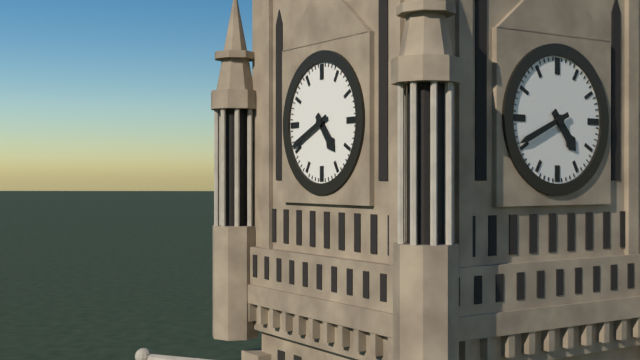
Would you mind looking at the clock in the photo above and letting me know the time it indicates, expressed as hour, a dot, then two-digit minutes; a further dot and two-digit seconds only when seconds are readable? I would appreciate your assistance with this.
4.41
